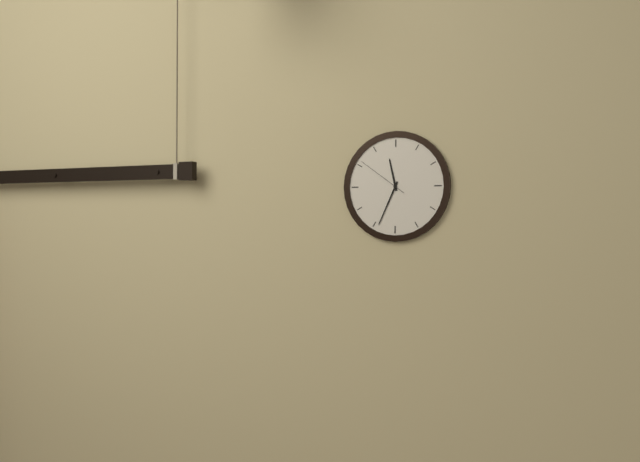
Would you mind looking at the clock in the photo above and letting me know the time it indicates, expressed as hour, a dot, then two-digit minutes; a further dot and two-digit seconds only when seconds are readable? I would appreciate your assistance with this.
11.34.51
